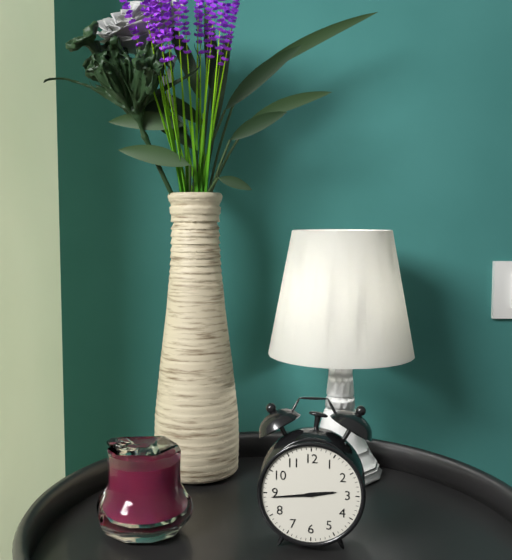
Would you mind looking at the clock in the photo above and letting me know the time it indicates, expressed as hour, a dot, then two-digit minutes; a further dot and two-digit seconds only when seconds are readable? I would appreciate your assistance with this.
2.44
